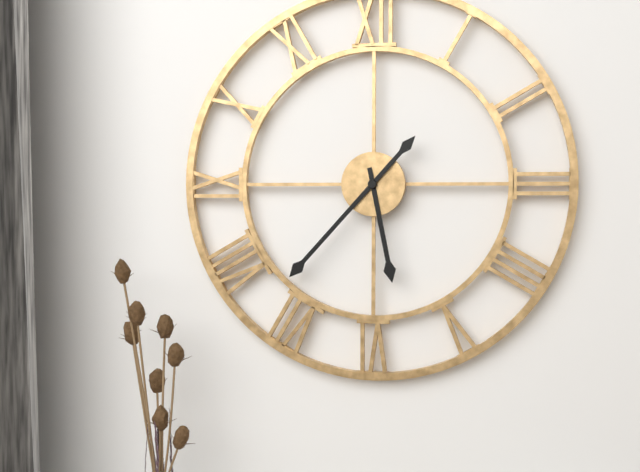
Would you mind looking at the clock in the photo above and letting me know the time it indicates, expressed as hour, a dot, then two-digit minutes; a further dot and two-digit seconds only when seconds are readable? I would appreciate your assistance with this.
5.37
